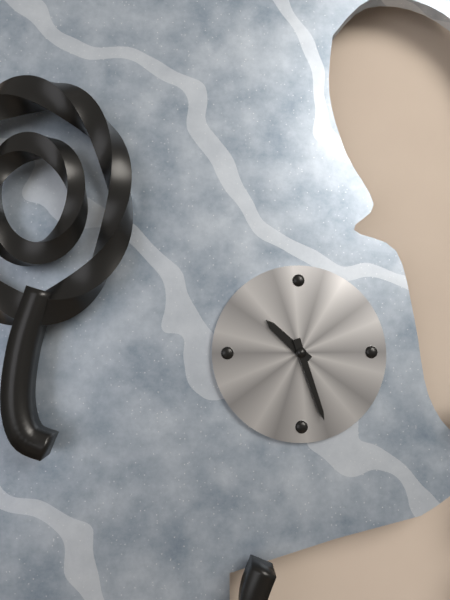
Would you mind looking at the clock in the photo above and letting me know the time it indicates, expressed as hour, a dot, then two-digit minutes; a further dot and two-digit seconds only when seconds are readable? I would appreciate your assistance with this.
10.27
